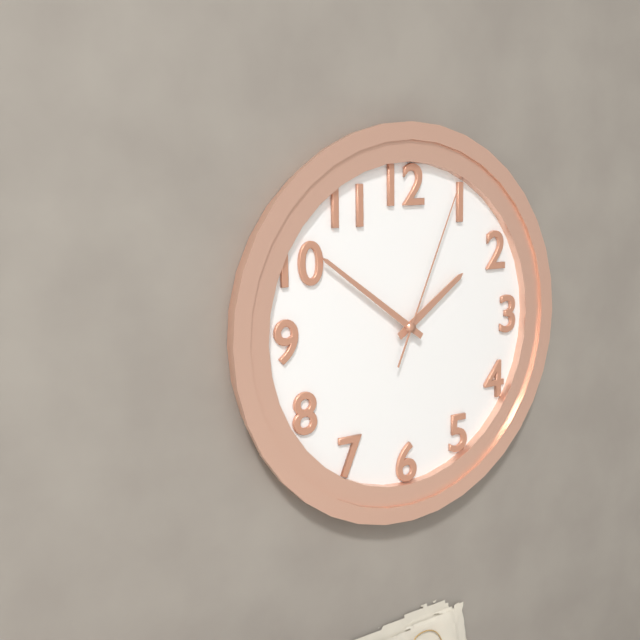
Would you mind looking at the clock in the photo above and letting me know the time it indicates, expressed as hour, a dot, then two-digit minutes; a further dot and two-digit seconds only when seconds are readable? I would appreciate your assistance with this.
1.51.04
